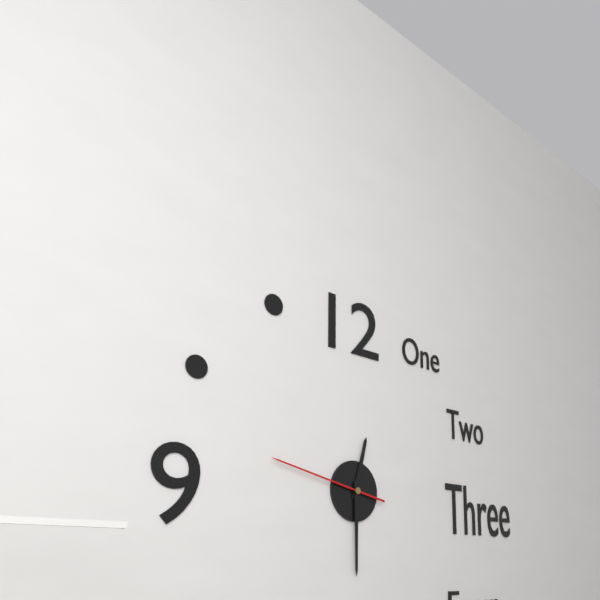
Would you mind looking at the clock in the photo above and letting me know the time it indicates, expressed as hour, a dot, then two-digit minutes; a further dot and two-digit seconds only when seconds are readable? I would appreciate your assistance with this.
12.30.47
